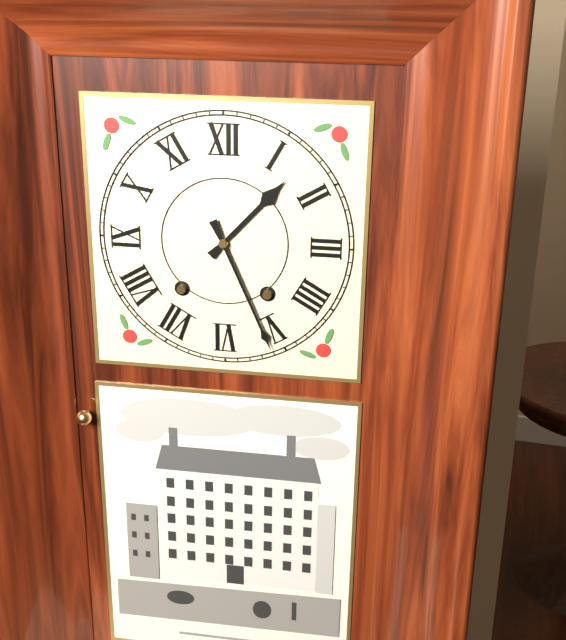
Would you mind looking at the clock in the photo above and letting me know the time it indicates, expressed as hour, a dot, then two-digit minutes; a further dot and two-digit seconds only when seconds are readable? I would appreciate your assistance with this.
1.26
